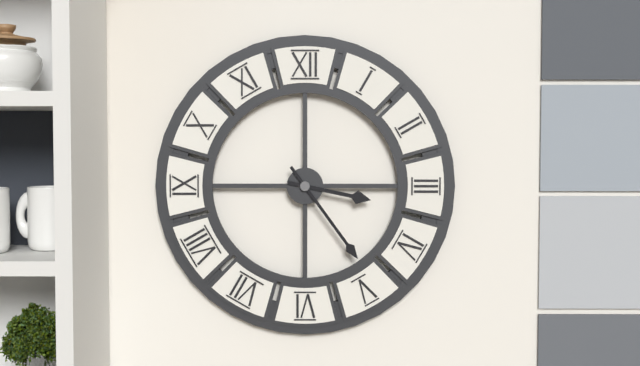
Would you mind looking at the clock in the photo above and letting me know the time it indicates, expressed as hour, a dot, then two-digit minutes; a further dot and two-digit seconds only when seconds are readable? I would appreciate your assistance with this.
3.24
